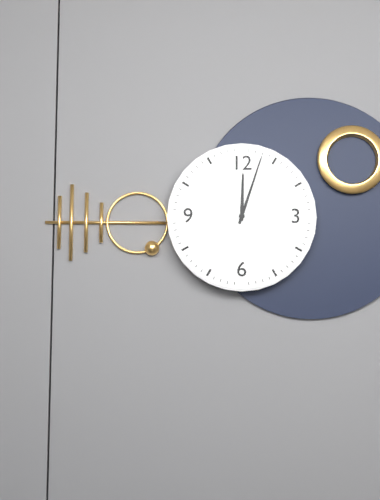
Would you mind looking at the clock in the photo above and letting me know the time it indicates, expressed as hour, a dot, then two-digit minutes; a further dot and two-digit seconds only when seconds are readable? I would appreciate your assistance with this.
12.03
